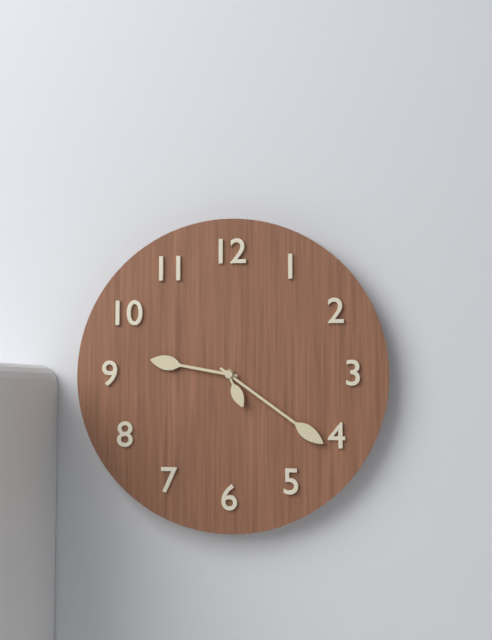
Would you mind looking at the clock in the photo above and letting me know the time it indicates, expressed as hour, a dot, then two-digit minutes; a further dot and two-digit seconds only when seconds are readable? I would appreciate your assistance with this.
9.21
